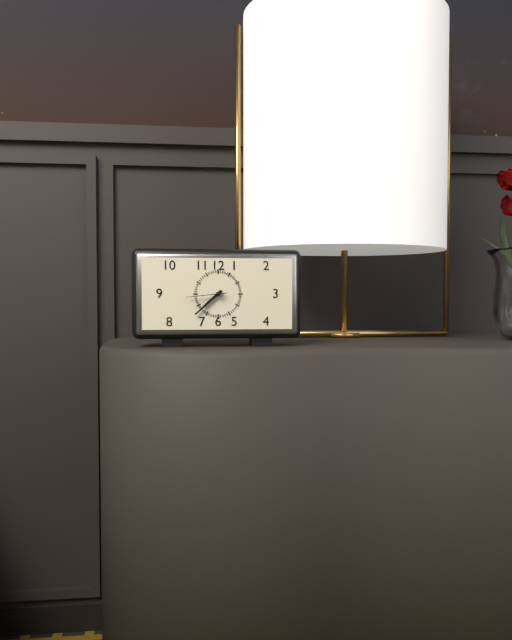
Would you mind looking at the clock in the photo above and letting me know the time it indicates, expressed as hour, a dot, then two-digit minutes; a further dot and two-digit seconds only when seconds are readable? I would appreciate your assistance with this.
7.38
